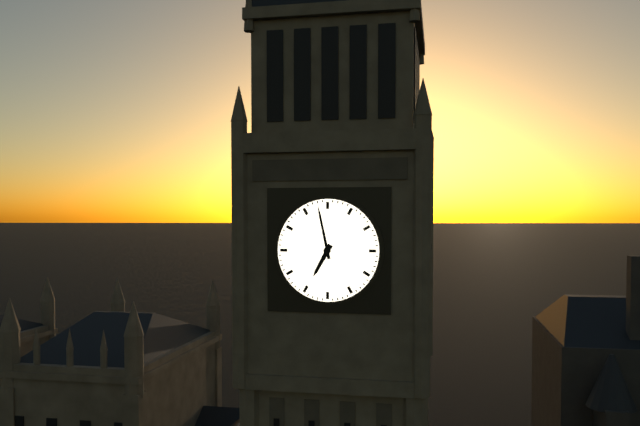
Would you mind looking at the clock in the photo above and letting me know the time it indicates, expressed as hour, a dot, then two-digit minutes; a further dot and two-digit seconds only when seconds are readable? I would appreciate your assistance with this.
6.58
